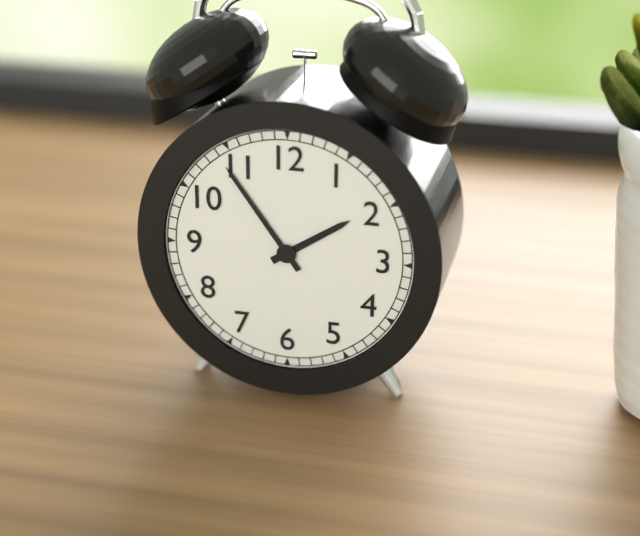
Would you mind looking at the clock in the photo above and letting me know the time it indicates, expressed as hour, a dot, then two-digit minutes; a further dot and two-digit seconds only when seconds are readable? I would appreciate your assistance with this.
1.54
